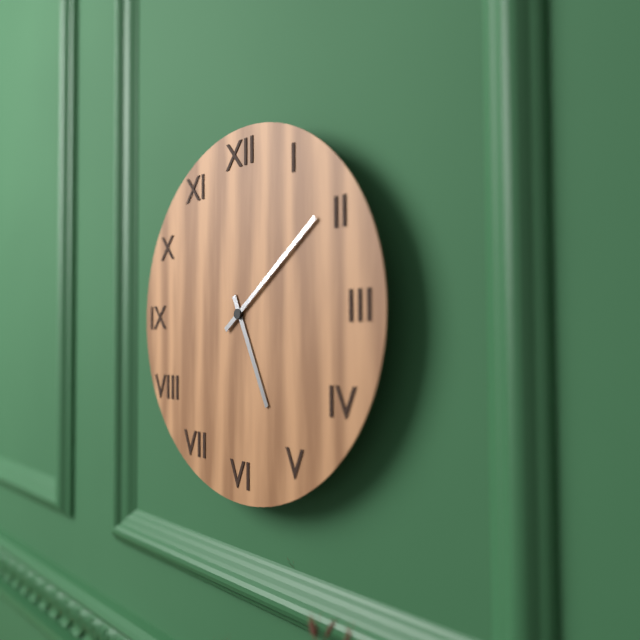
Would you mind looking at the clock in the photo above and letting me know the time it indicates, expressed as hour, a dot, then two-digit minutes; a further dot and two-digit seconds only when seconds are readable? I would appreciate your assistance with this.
5.09
